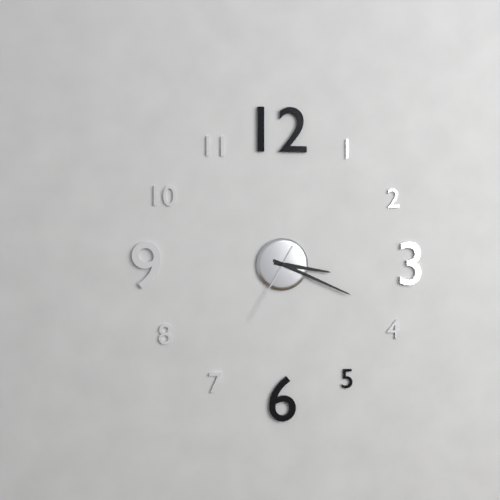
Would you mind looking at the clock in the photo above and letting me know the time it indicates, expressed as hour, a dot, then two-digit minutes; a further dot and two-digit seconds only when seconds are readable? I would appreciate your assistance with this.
3.19.35
